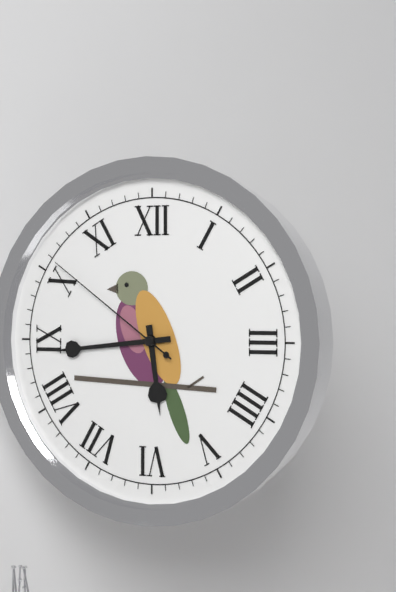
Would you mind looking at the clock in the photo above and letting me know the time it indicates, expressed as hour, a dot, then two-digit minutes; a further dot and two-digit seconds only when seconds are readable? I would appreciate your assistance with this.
5.44.51
